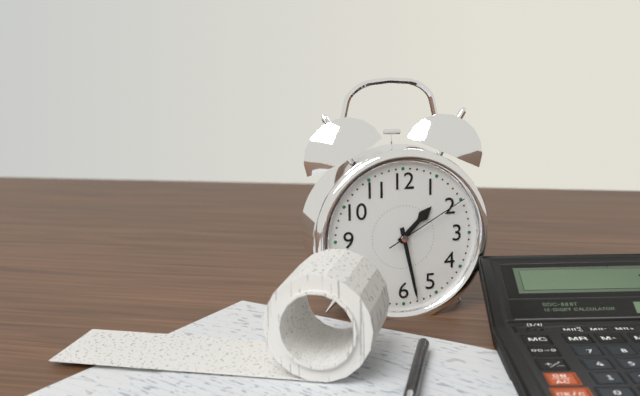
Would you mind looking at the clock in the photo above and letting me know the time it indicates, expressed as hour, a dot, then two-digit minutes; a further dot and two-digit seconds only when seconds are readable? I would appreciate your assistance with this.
1.28.10
